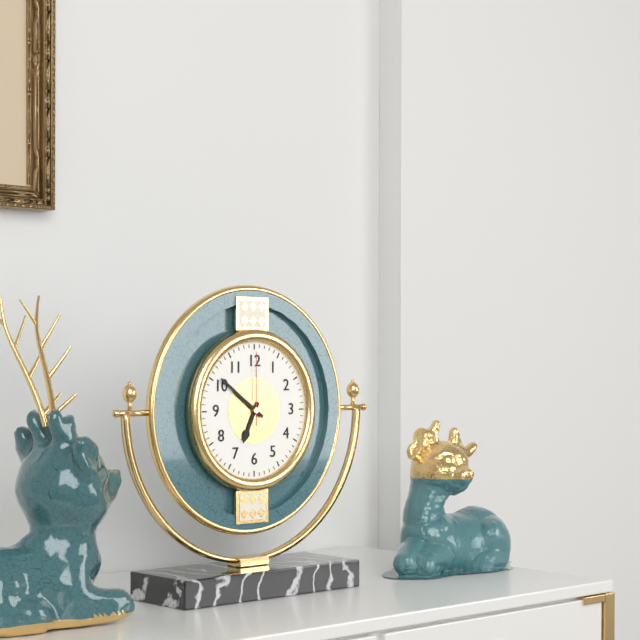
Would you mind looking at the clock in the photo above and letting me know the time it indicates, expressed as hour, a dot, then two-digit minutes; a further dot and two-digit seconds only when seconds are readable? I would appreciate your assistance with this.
6.51.00
